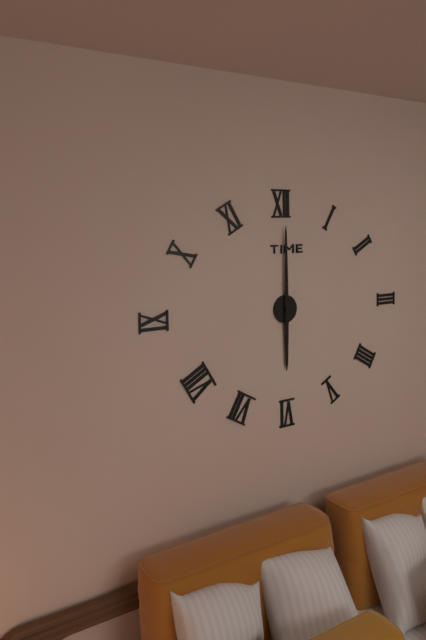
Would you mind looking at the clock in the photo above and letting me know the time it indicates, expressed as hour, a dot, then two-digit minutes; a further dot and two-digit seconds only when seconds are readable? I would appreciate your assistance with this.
6.00
